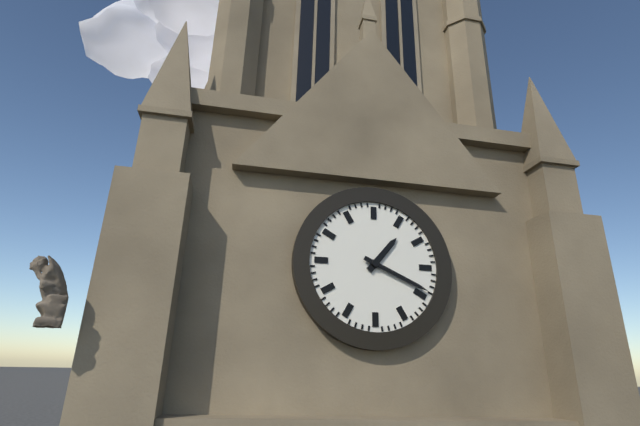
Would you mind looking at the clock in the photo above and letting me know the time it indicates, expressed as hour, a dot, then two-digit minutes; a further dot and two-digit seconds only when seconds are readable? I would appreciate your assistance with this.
1.19
